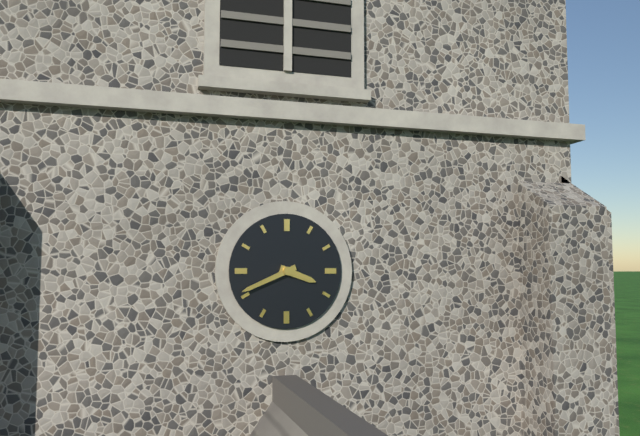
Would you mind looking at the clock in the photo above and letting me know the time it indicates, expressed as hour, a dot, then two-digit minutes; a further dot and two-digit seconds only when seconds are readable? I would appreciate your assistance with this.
3.41
